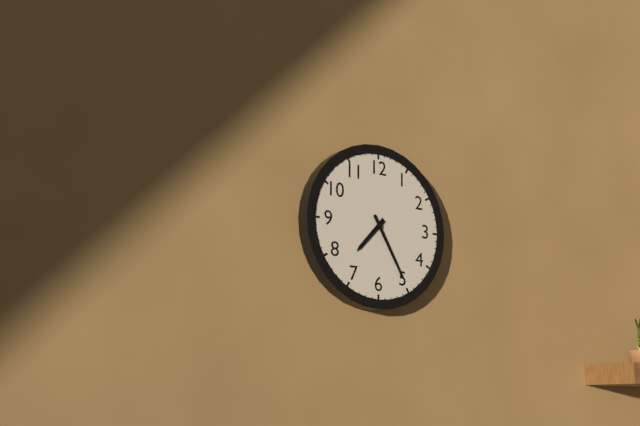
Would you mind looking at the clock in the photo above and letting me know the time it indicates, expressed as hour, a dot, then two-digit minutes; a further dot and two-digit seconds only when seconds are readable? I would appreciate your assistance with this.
7.25
